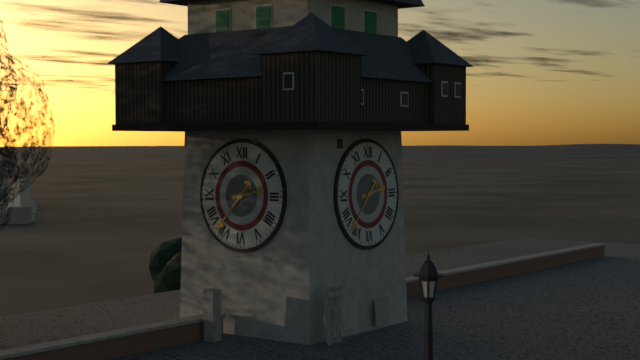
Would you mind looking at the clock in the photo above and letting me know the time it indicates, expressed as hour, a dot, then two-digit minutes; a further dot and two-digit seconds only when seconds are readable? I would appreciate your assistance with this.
2.37
